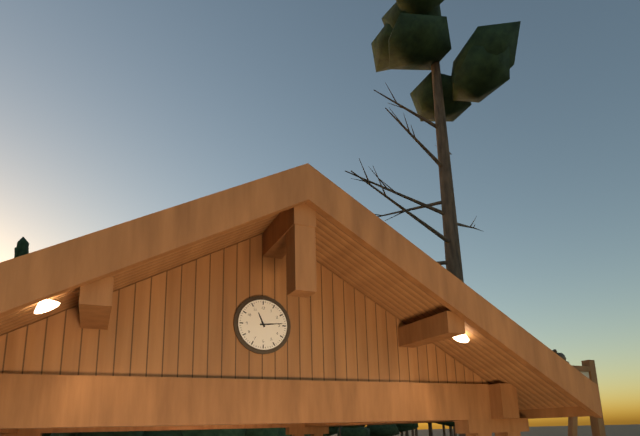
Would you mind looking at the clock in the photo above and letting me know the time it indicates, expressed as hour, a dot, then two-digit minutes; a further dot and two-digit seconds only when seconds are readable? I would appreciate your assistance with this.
11.14
